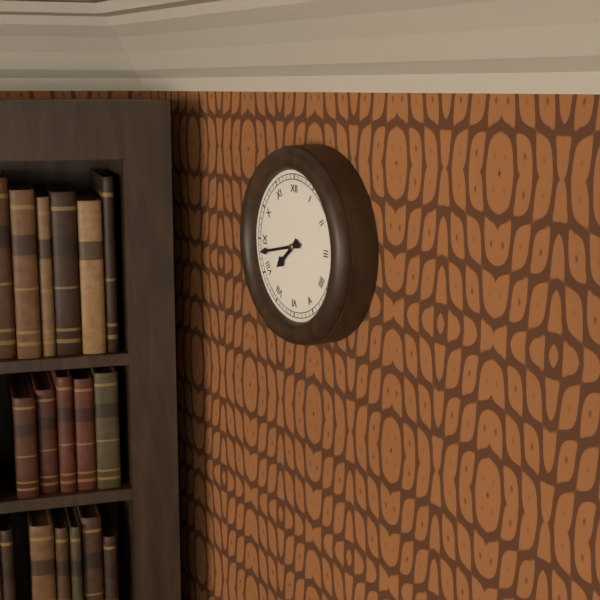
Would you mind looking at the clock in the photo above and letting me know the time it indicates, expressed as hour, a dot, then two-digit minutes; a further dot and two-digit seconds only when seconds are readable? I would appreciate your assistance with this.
7.43
